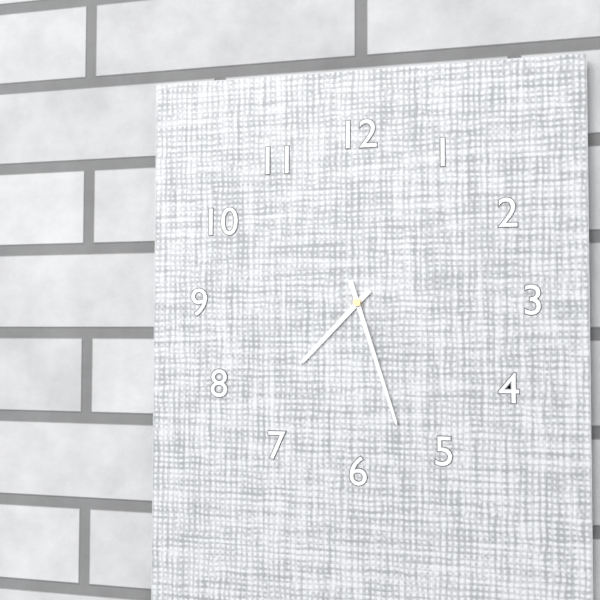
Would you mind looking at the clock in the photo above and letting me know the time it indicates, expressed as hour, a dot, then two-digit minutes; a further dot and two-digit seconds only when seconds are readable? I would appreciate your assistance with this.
7.27
